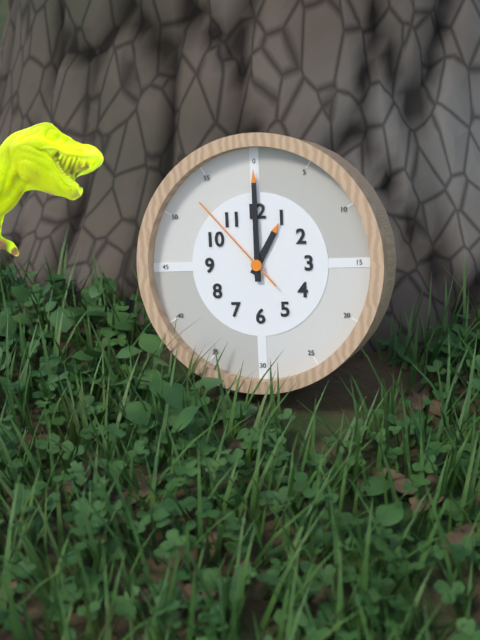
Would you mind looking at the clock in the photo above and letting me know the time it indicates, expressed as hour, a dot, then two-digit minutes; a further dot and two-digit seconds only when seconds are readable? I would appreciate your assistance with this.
1.00.53
